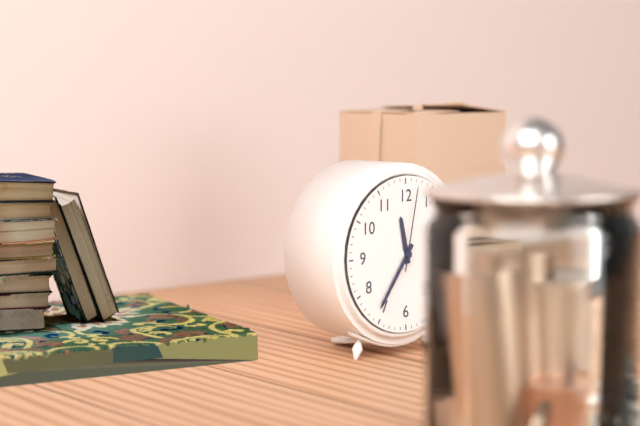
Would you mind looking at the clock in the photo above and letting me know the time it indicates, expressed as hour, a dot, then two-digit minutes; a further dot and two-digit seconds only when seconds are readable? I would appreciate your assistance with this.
11.36.02
